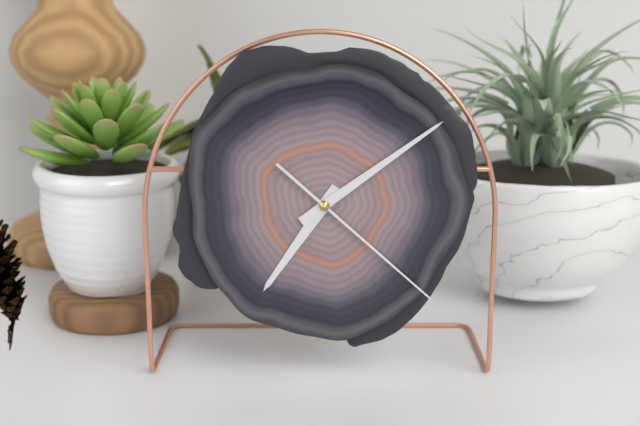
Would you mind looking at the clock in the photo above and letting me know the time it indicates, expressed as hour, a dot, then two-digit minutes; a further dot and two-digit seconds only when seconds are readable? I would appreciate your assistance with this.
7.09.22
